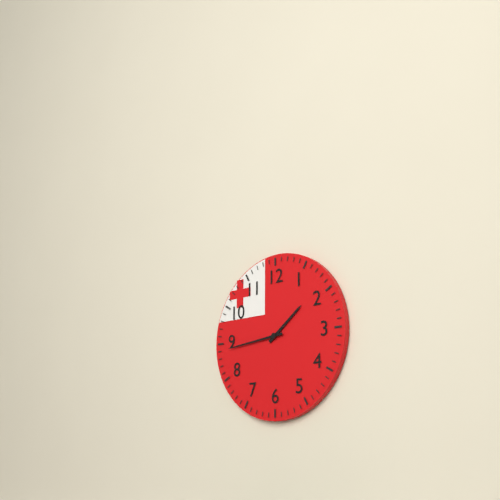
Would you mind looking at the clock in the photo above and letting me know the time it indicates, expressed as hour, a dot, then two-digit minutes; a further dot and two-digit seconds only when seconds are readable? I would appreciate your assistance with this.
1.44
